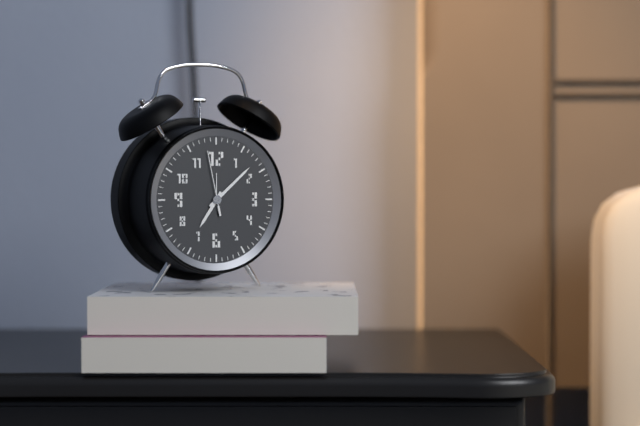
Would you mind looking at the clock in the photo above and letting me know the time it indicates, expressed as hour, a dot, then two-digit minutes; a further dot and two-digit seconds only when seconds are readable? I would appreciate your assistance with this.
7.08.58
